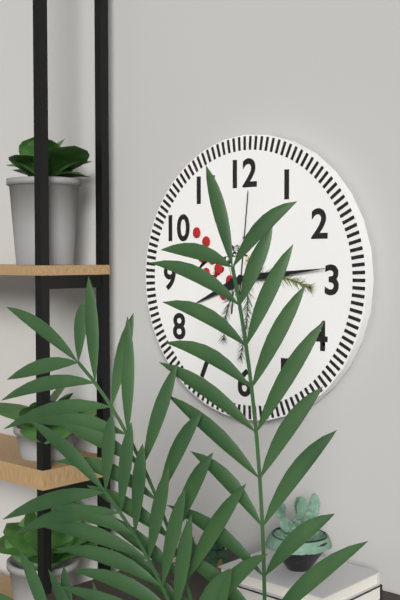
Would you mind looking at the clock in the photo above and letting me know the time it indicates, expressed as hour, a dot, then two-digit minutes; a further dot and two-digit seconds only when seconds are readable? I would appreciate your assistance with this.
8.14.01
